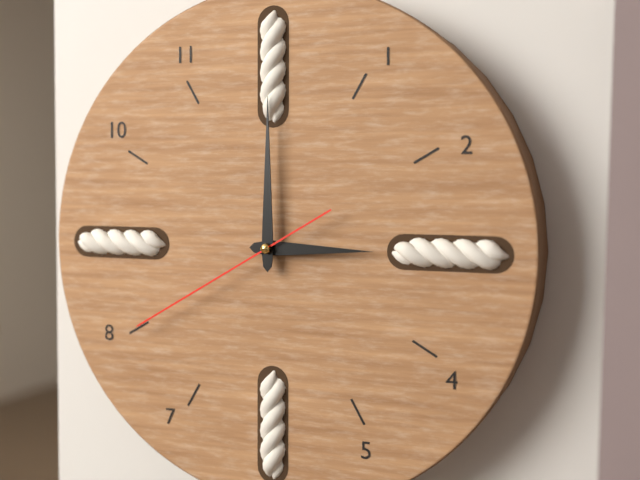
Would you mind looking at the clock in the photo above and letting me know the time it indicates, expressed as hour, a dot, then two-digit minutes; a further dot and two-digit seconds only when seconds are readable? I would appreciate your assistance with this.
3.00.40
